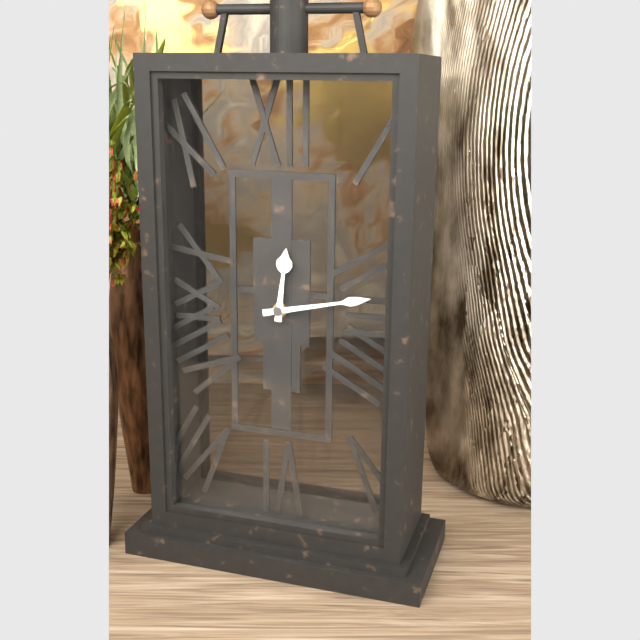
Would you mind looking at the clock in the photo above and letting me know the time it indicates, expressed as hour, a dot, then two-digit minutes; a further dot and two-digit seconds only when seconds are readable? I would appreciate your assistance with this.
12.13
